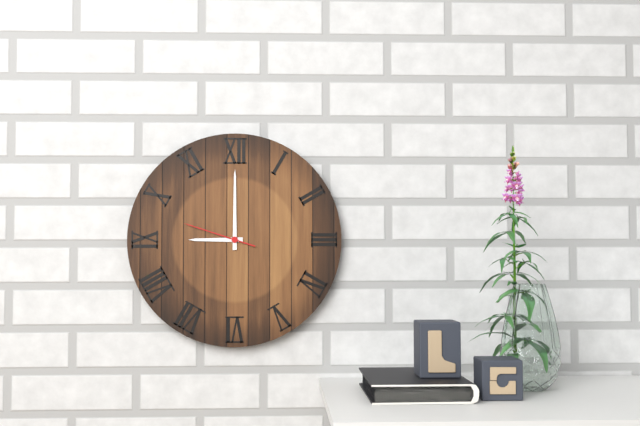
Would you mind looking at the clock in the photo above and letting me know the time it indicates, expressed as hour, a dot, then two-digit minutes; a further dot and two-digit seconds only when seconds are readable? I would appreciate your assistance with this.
9.00.48
